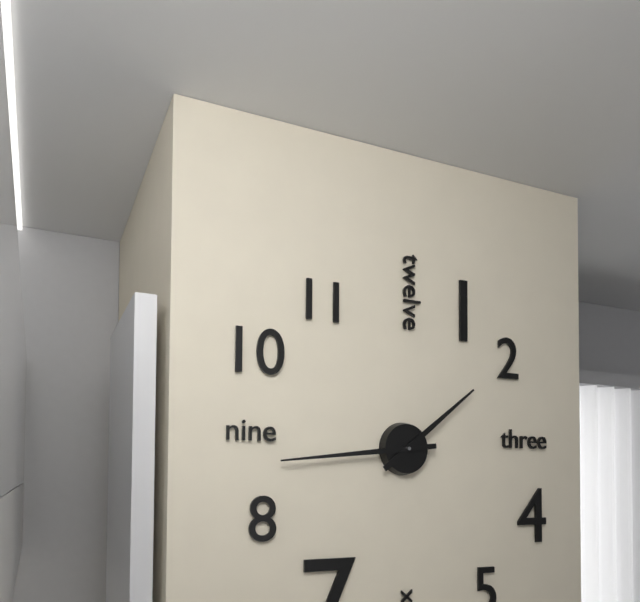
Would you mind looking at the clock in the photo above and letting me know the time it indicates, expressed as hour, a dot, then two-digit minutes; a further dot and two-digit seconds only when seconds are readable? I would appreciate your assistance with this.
1.44
